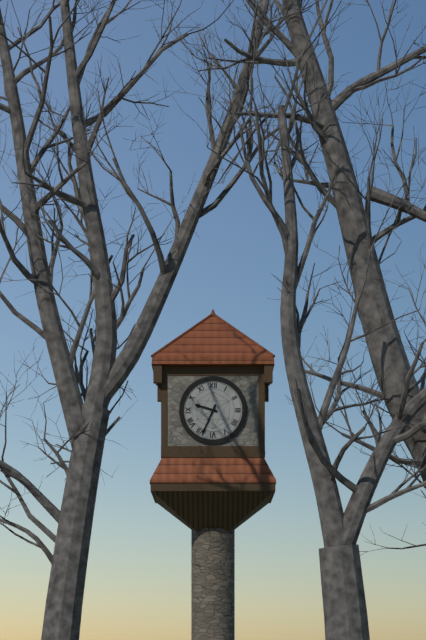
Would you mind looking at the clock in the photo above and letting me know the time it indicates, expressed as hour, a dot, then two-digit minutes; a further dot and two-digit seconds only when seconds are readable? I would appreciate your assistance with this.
9.34
